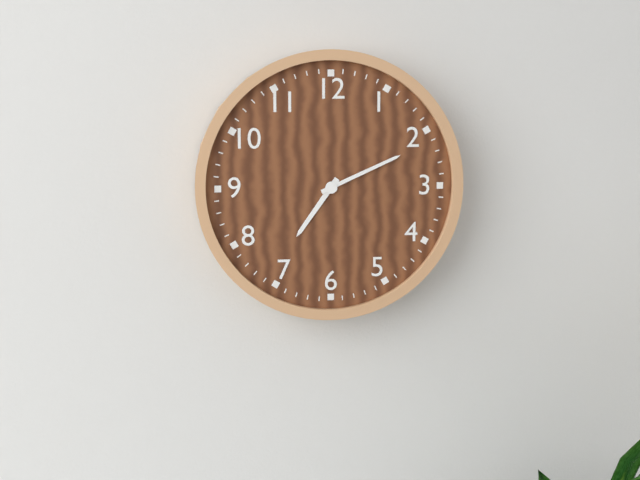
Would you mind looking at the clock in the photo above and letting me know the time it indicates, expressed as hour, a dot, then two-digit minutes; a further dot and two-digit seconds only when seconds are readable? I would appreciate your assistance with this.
7.11
